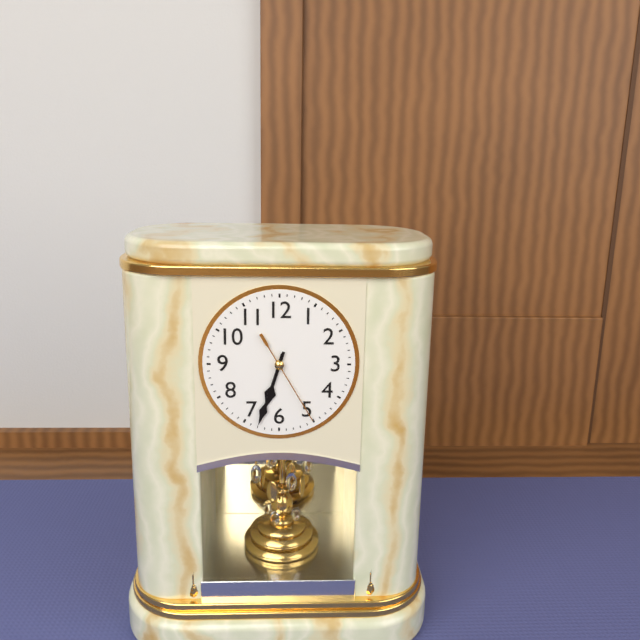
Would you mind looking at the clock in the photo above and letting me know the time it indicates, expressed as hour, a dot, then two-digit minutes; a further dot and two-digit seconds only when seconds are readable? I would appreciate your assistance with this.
6.33.25
